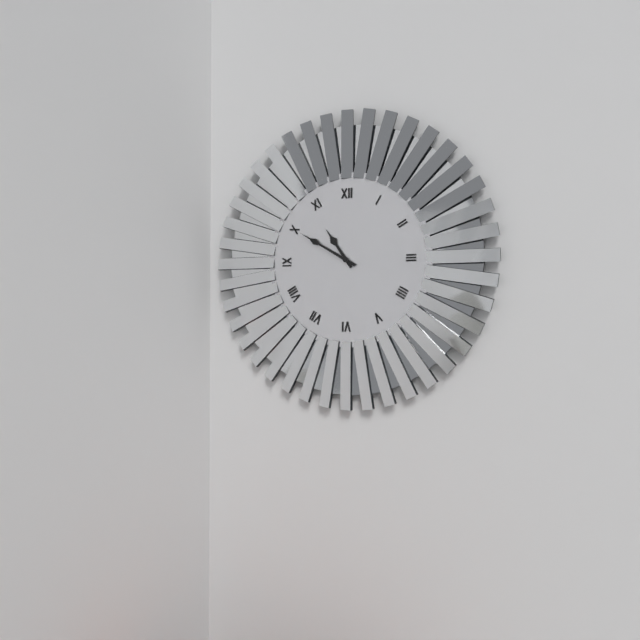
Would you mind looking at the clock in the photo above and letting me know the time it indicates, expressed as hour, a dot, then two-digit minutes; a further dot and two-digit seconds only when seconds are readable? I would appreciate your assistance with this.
10.50
